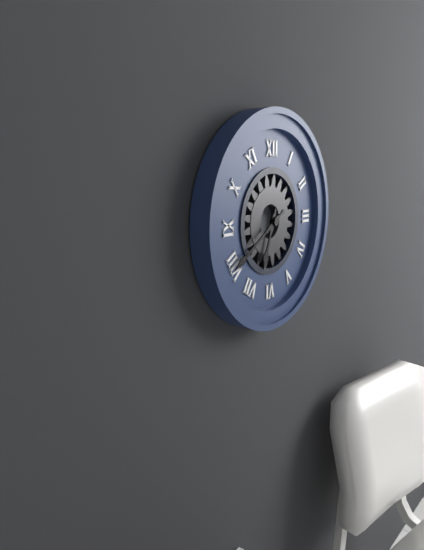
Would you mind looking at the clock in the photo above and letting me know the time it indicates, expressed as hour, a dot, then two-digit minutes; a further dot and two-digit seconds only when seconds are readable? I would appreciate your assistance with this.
6.40
